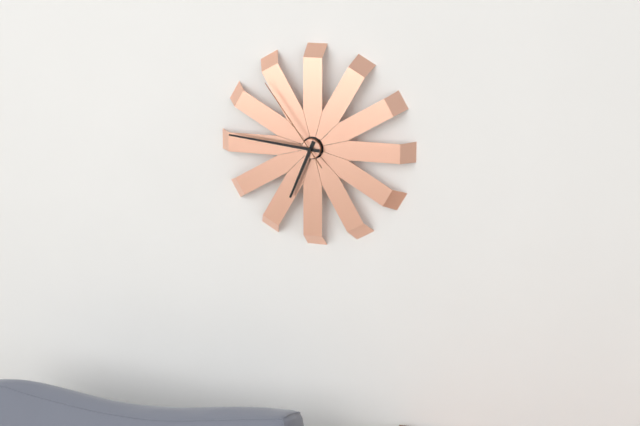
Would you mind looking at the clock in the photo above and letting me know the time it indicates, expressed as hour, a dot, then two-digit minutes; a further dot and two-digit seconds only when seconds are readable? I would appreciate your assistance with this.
6.46.54
